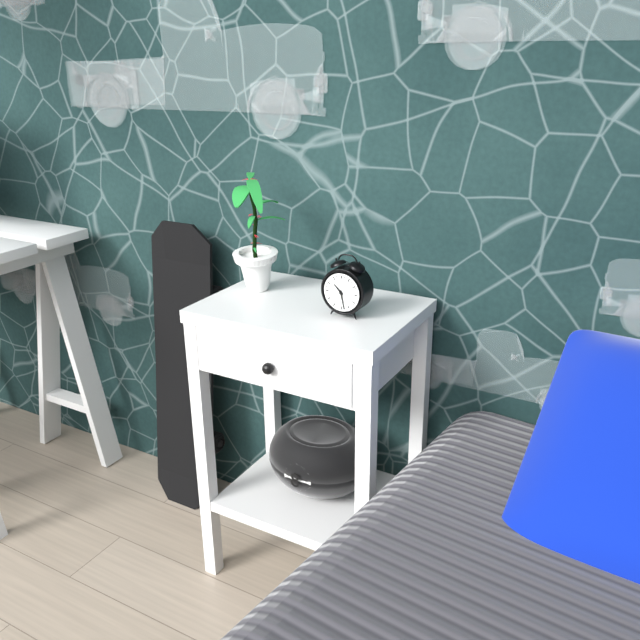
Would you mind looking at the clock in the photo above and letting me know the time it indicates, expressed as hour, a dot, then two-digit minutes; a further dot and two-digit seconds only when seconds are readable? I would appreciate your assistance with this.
10.28
